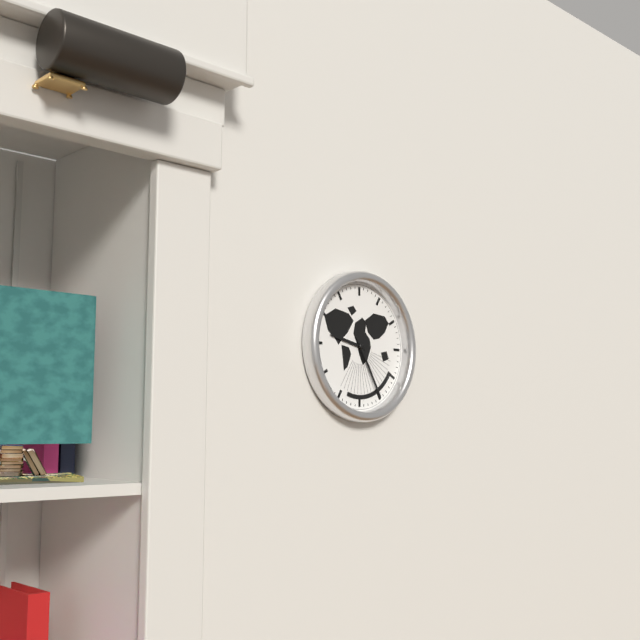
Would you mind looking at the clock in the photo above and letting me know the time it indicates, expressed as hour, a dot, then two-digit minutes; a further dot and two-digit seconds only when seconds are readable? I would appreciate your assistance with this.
9.25
